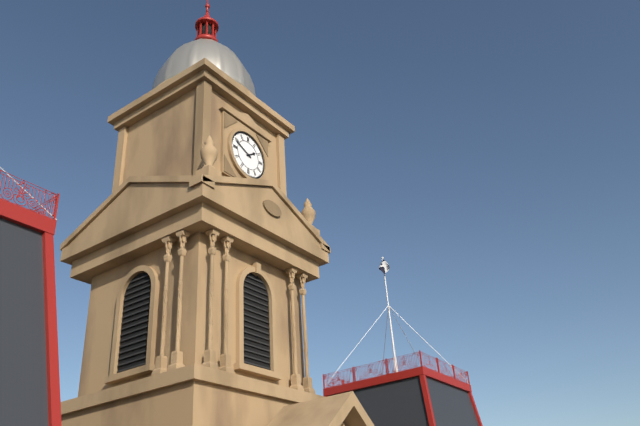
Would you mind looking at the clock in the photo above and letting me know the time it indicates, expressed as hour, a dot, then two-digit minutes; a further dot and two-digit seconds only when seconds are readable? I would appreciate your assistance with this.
1.49
